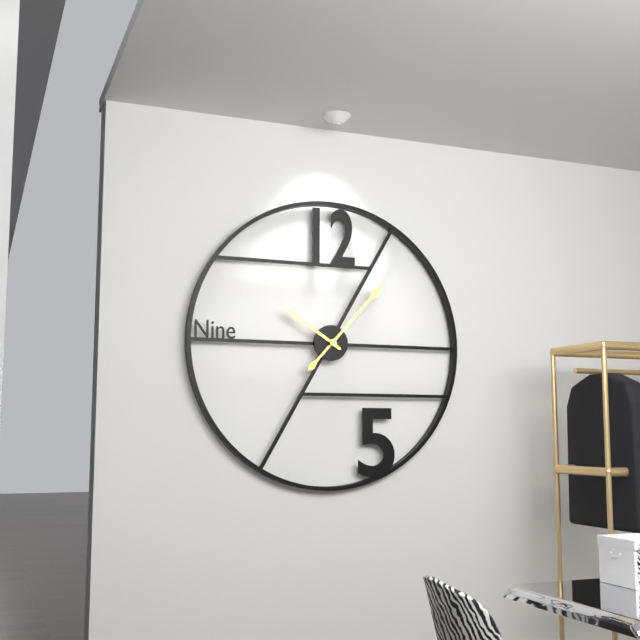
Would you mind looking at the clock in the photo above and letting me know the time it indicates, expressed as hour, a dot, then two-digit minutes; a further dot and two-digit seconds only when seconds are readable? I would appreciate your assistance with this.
10.07
